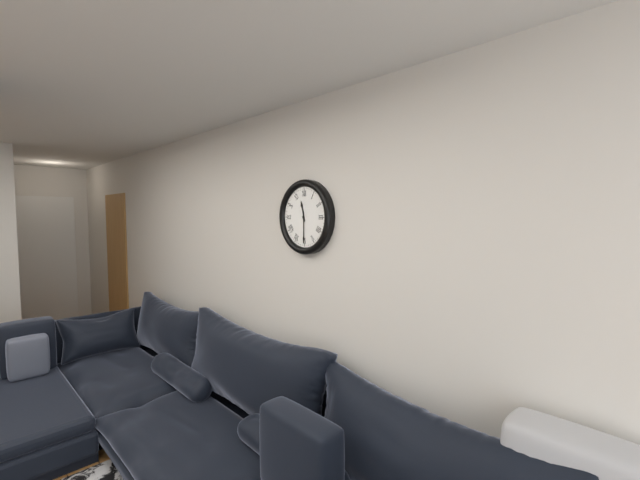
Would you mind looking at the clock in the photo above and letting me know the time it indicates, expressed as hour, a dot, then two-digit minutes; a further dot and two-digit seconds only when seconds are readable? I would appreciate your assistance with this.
11.30
